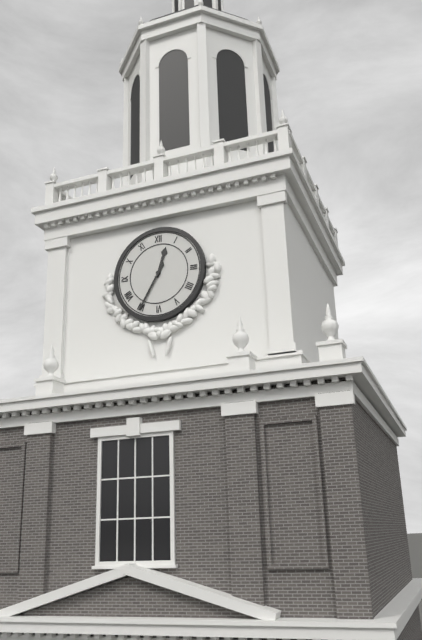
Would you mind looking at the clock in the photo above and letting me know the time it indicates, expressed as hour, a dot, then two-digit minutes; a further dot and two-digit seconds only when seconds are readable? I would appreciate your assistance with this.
12.35
